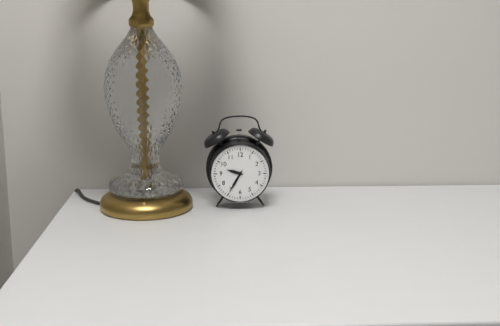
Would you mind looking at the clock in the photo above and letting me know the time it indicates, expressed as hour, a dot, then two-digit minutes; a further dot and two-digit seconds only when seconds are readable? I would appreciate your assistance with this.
9.35
